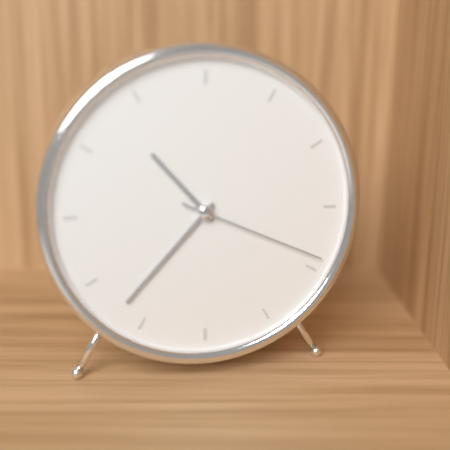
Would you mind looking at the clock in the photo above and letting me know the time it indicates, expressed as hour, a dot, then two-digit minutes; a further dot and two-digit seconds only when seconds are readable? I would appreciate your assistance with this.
10.37.19
